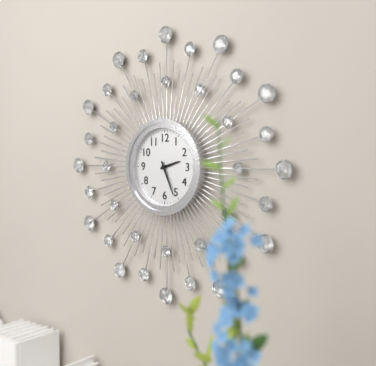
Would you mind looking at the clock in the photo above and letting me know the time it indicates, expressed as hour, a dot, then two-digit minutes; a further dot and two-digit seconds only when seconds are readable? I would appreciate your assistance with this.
2.26
